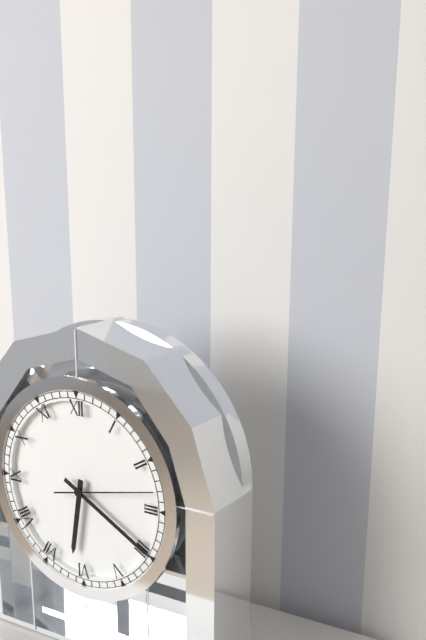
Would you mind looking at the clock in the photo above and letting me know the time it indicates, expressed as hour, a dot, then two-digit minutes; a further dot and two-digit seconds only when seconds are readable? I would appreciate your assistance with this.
6.20.13
